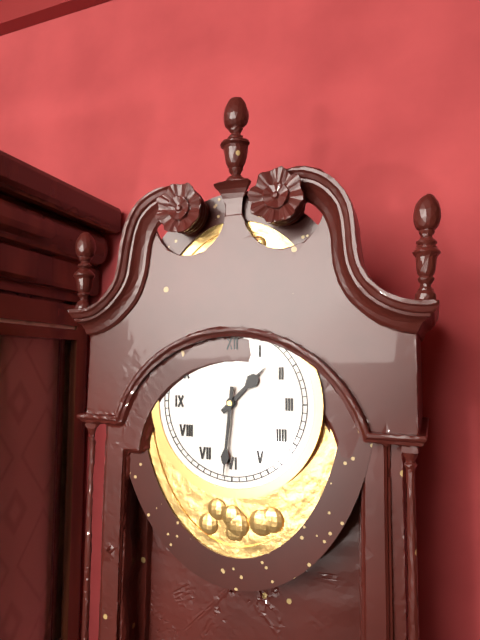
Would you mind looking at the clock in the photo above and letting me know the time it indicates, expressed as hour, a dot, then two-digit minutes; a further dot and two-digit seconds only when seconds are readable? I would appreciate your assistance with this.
1.31
